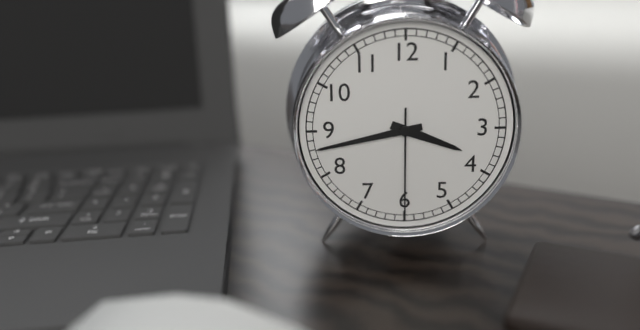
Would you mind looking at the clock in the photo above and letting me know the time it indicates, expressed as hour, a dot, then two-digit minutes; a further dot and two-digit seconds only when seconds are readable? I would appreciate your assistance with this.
3.43.30
